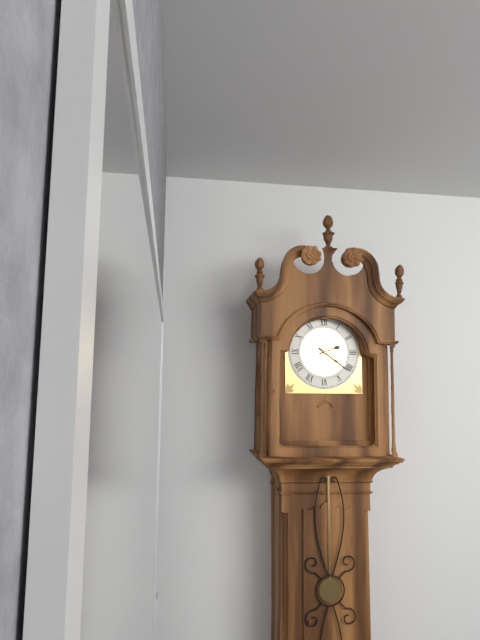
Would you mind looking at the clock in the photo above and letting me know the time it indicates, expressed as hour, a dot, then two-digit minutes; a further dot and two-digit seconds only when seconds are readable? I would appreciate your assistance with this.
2.21
